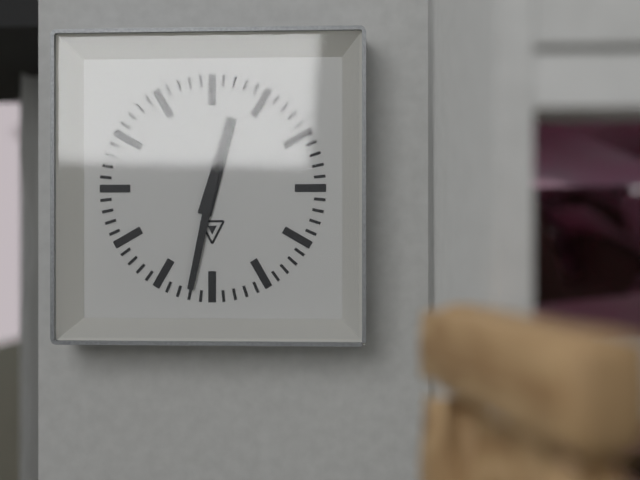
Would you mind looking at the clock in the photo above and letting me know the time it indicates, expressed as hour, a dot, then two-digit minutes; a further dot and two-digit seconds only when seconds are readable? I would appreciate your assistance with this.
12.32
